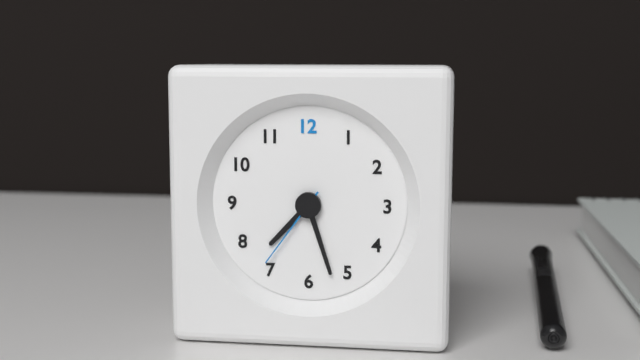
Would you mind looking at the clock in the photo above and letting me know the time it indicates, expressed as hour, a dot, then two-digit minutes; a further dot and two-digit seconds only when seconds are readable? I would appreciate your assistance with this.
7.27.36
